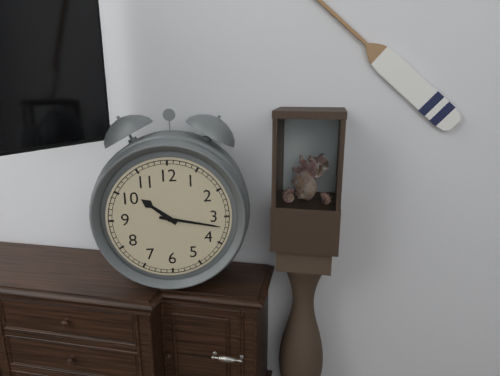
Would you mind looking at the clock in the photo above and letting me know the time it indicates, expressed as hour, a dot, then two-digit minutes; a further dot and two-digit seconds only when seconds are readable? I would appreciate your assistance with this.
10.17
